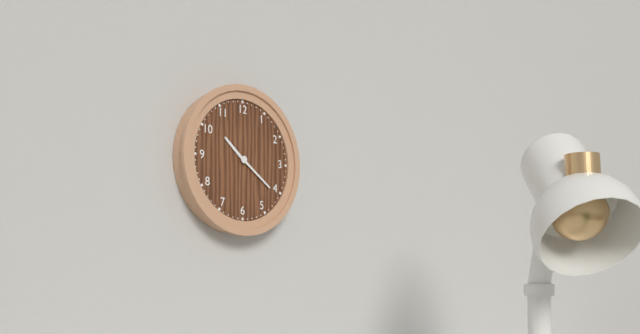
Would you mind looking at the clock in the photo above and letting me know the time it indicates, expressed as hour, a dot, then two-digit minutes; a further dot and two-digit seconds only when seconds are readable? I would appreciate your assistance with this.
10.21
